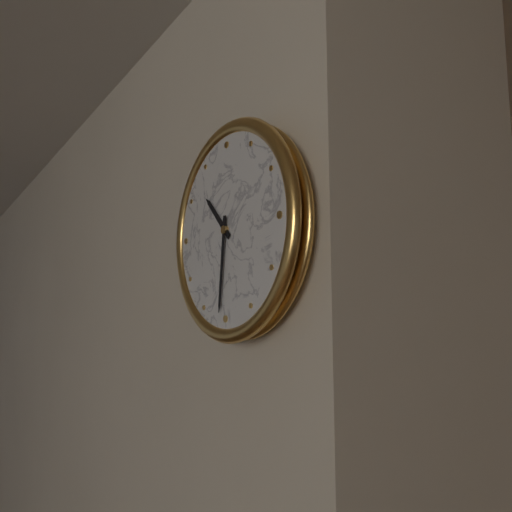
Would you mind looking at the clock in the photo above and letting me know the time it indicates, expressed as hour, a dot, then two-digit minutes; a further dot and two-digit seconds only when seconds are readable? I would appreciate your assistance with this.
10.31
